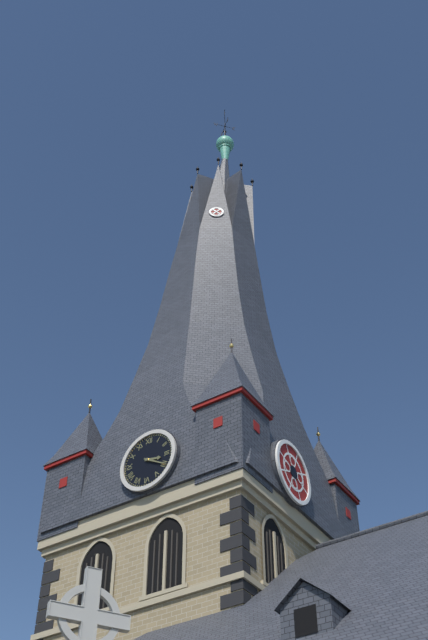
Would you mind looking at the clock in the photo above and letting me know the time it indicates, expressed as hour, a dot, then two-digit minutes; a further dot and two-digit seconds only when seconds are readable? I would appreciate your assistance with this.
3.20
